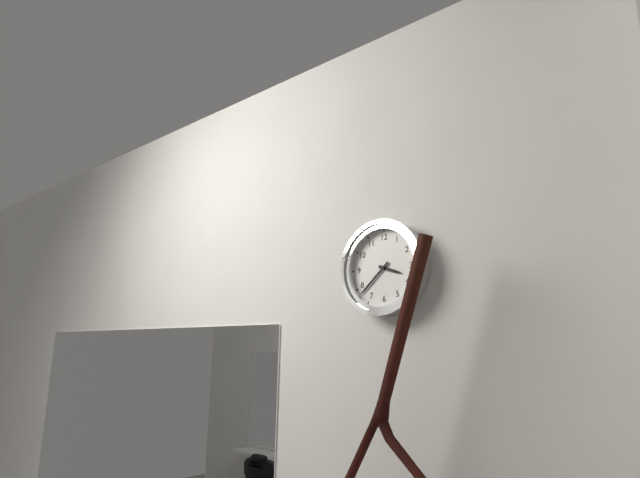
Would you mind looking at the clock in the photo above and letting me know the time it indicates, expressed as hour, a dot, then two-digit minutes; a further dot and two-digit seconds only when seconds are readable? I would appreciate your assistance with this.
3.38
